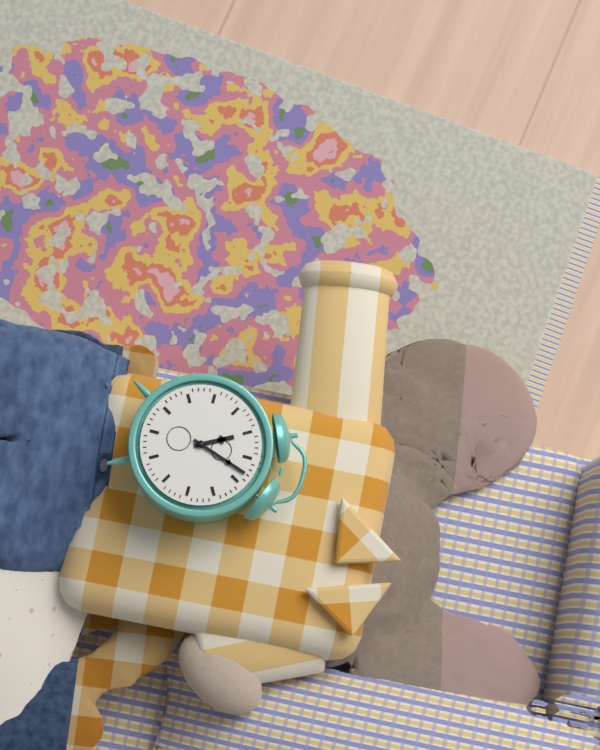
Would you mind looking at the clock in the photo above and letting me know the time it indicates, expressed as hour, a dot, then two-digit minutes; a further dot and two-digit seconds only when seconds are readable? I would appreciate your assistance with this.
11.03
